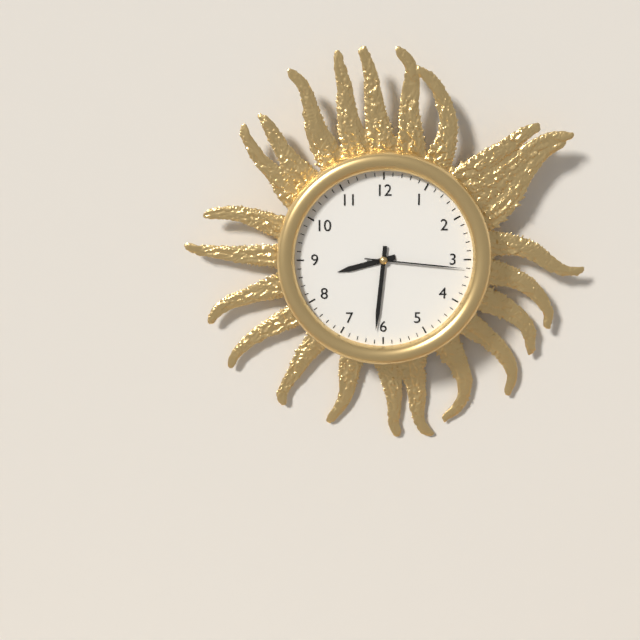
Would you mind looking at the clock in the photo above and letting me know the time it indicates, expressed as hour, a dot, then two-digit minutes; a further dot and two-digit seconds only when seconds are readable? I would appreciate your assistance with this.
8.31.16
